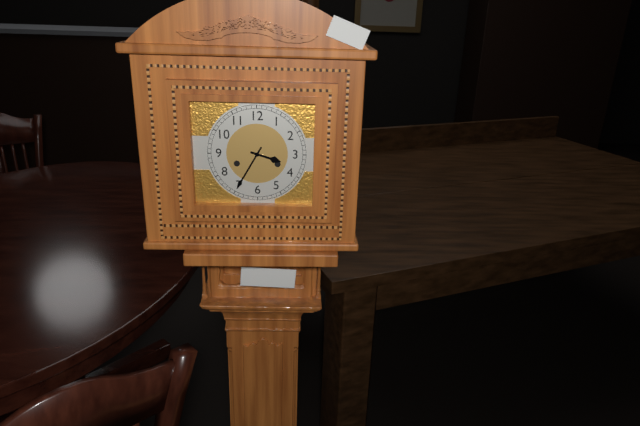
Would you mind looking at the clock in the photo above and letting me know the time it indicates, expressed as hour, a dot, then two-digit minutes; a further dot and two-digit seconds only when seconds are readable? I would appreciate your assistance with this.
3.35
